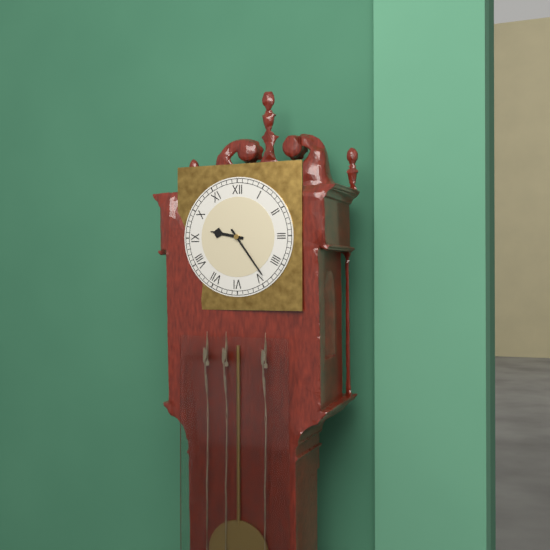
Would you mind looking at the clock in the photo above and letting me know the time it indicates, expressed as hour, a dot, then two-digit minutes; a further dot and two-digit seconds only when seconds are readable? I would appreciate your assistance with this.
9.24
